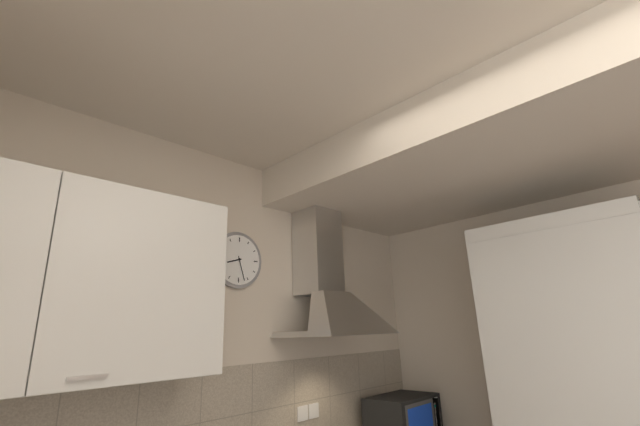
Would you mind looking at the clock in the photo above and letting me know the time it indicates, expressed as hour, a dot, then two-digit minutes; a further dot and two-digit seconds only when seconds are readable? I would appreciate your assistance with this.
8.27
